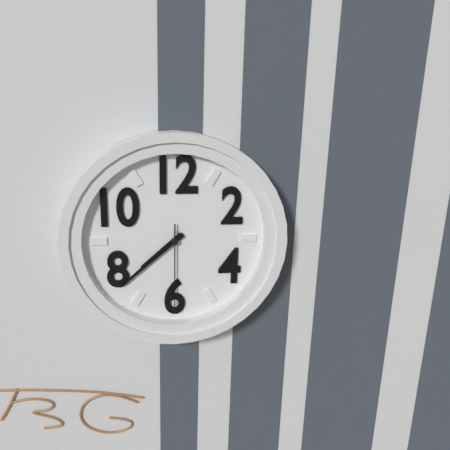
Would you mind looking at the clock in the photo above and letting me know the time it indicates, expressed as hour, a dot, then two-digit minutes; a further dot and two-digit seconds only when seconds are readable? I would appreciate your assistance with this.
7.38.30
